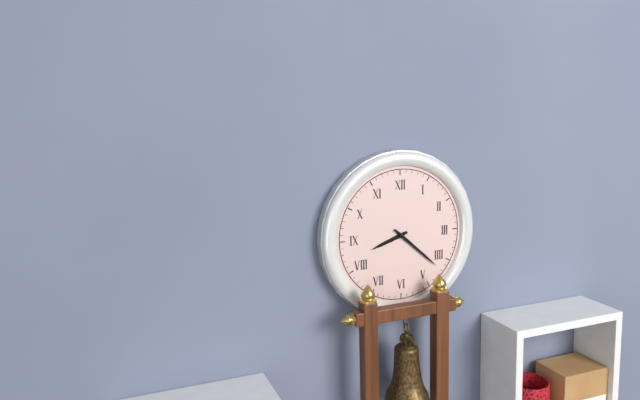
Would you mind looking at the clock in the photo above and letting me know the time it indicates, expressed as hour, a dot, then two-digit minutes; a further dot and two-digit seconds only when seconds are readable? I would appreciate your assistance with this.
8.22
